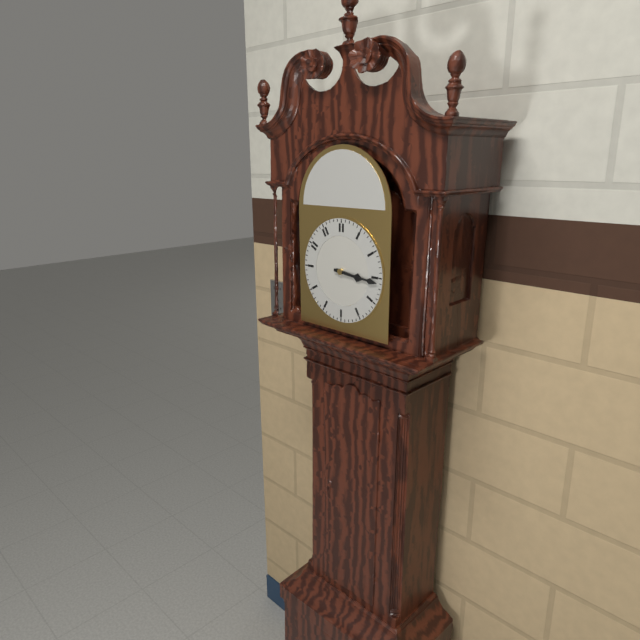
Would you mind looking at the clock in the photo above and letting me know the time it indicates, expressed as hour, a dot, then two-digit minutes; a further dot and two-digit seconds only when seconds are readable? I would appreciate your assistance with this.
3.16
